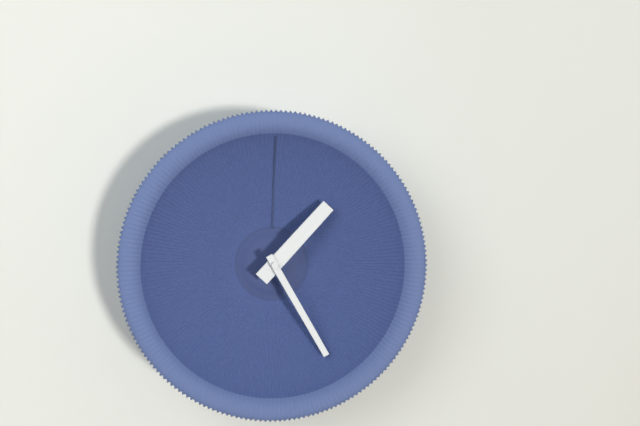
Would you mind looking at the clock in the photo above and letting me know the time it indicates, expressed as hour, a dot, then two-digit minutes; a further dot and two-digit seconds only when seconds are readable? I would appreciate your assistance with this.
1.25
